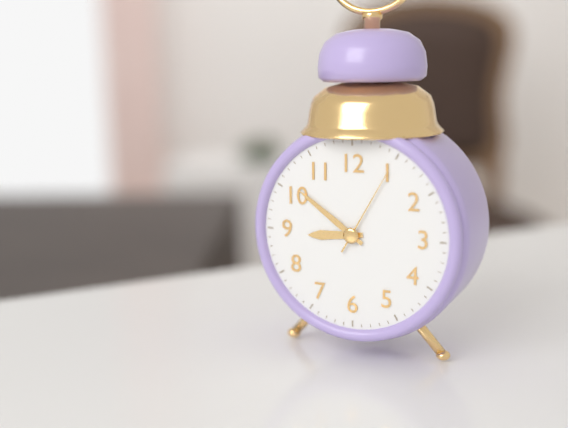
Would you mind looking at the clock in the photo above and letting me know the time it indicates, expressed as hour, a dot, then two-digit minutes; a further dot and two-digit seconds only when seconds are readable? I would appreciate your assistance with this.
8.51.05
